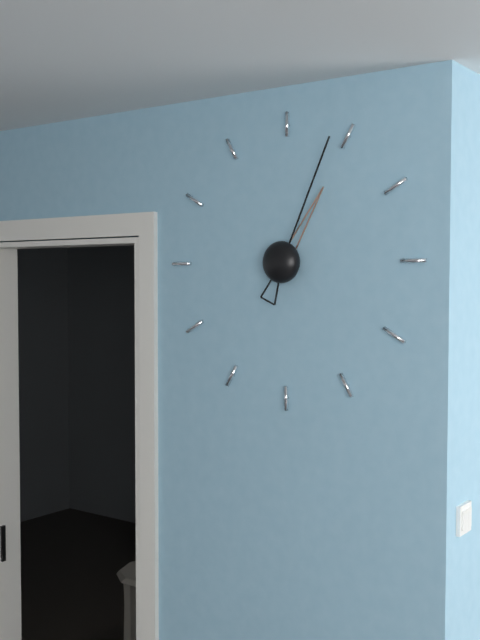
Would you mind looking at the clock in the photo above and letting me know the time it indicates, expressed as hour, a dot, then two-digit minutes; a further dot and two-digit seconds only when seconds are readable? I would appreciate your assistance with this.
1.04
